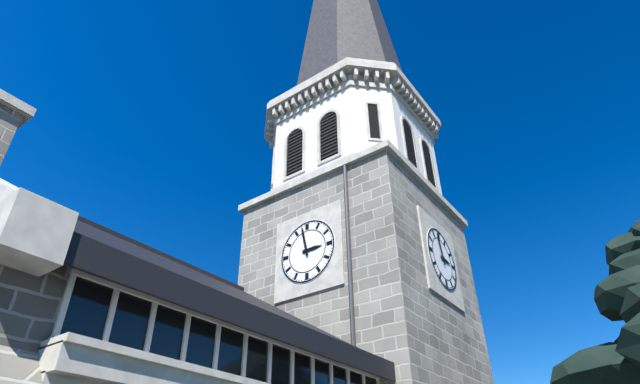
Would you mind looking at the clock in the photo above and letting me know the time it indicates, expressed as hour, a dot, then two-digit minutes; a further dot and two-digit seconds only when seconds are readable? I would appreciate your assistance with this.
2.58
